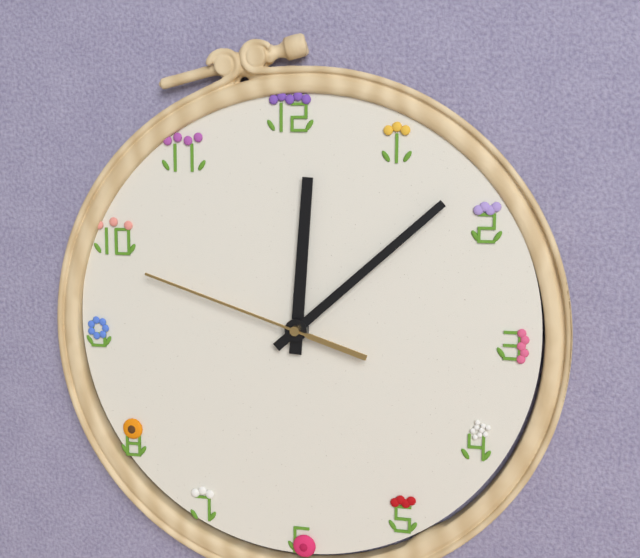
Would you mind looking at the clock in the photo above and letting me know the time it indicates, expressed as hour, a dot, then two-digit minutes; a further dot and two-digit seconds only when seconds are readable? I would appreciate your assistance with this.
12.08.48
